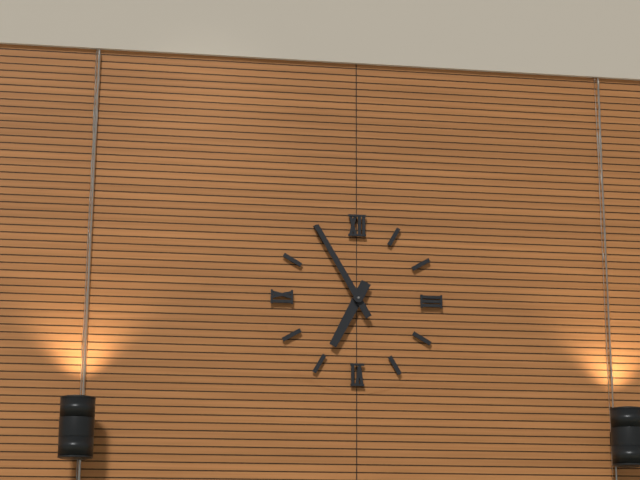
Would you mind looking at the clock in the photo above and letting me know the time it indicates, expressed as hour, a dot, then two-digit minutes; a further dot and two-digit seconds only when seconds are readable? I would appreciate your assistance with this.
6.55
